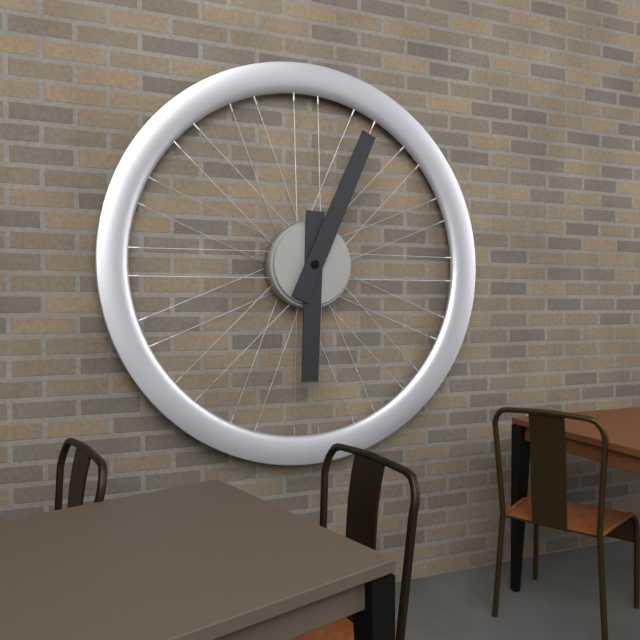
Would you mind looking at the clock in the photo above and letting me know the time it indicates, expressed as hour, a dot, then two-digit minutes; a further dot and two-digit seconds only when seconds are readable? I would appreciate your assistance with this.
6.04
